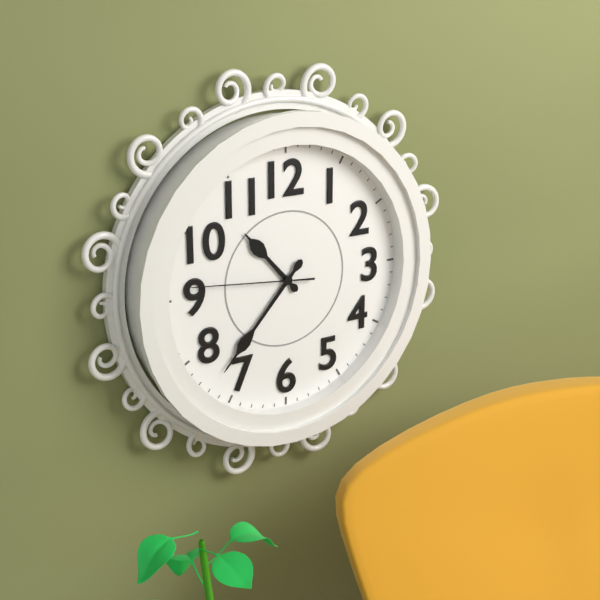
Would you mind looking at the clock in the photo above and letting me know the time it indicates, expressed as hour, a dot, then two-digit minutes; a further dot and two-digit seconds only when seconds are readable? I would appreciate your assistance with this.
10.37.46
